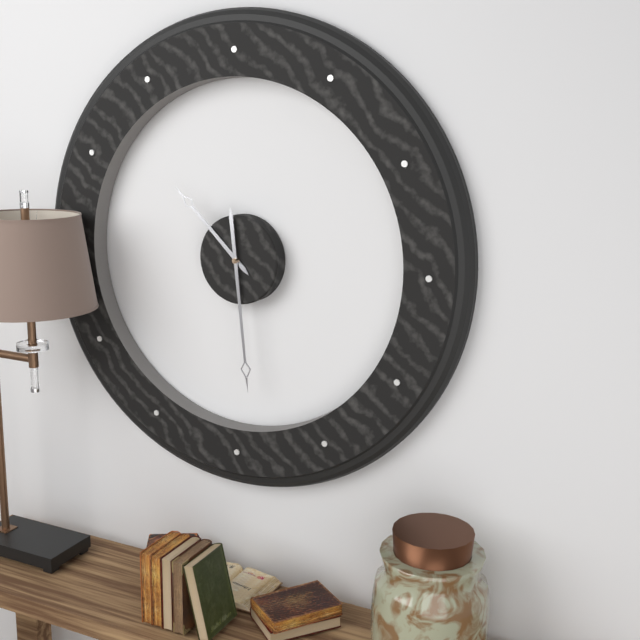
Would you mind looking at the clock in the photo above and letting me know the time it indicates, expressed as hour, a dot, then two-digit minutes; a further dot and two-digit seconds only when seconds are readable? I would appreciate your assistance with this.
10.29
